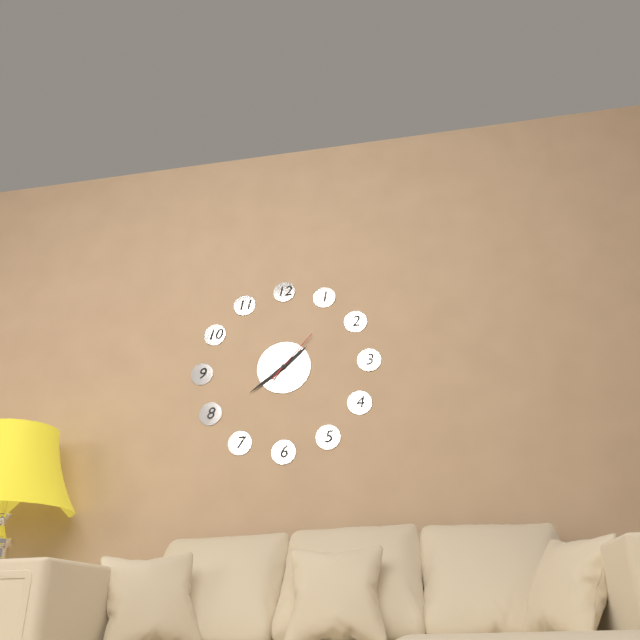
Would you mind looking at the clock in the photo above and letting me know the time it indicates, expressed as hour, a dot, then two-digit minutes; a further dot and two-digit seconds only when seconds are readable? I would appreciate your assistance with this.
1.39.07
